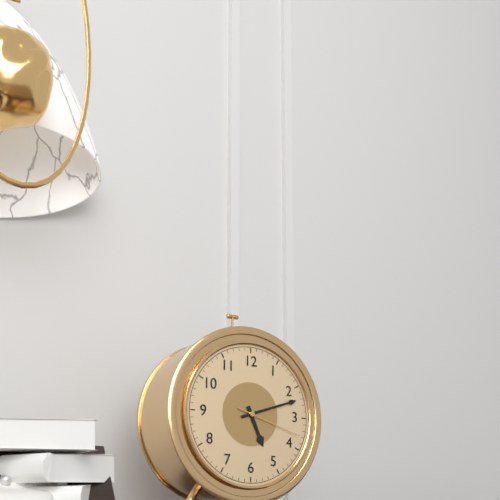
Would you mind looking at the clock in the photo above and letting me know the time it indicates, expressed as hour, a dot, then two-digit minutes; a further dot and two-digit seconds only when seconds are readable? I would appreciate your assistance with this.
5.12.18
